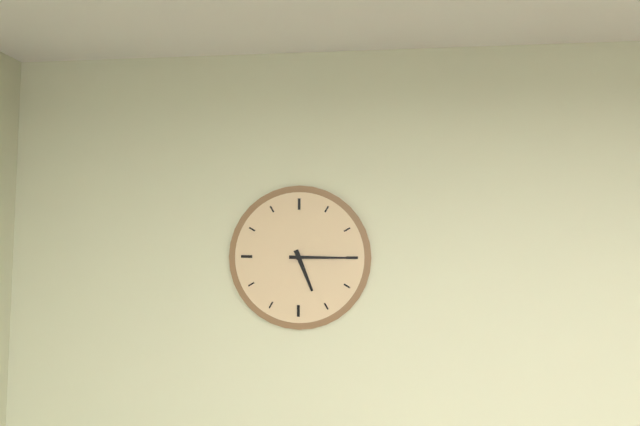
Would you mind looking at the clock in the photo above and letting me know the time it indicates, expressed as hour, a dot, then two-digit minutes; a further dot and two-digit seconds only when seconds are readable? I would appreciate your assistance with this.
5.15
